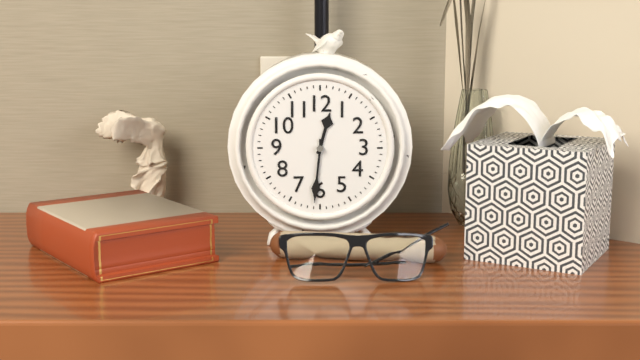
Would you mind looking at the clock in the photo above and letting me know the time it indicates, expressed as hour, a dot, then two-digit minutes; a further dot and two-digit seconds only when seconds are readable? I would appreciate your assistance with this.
12.31
